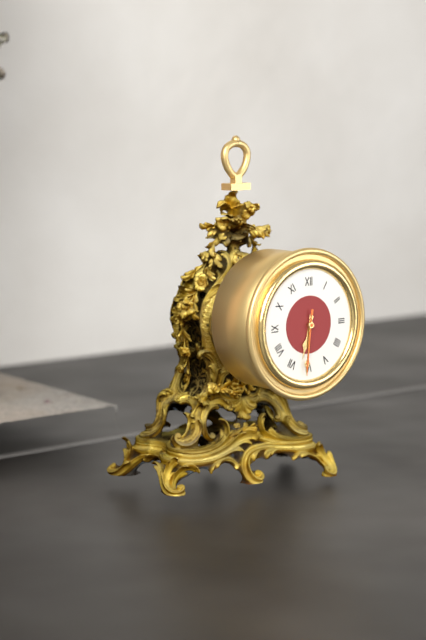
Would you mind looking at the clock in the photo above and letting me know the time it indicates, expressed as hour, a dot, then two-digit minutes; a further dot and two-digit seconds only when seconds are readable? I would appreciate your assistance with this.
6.31.31
